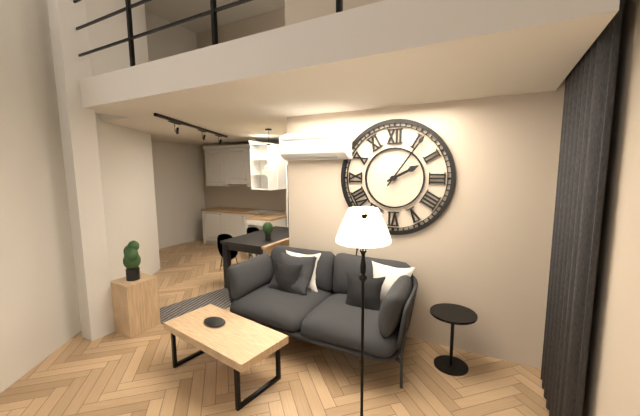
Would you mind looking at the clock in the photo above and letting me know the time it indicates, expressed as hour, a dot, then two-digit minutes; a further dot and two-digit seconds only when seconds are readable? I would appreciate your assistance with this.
2.06
